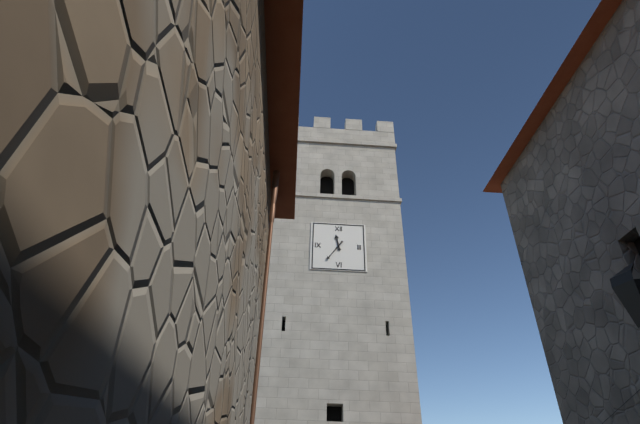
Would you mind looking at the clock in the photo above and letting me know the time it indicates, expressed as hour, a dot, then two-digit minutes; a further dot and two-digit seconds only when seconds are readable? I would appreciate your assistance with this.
11.36
